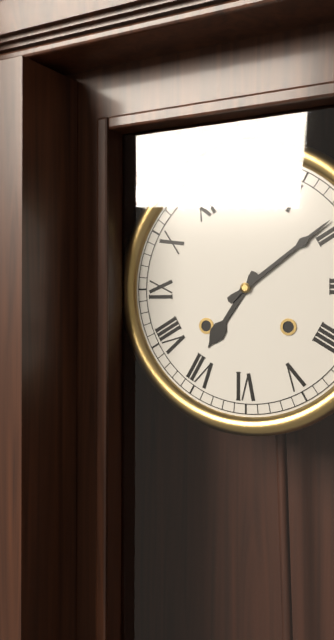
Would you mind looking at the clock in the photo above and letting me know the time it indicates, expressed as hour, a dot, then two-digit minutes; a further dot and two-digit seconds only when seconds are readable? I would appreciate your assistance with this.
7.09
